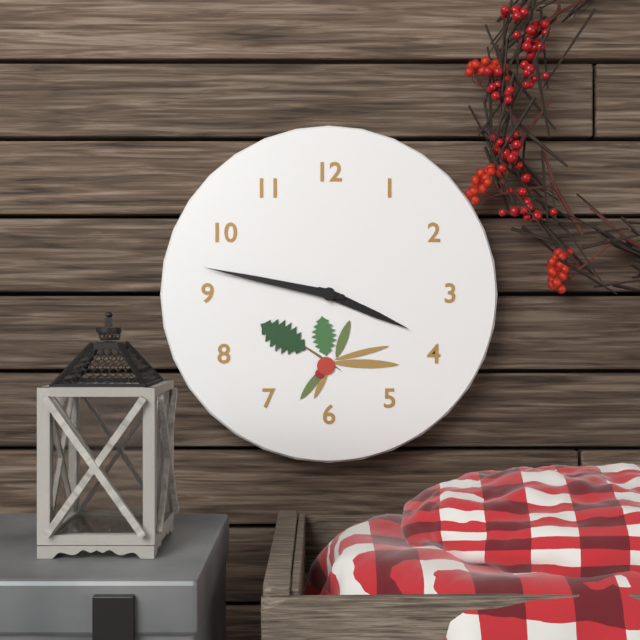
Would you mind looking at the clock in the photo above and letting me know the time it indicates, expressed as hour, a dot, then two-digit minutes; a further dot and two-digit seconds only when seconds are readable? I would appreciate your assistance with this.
3.47
